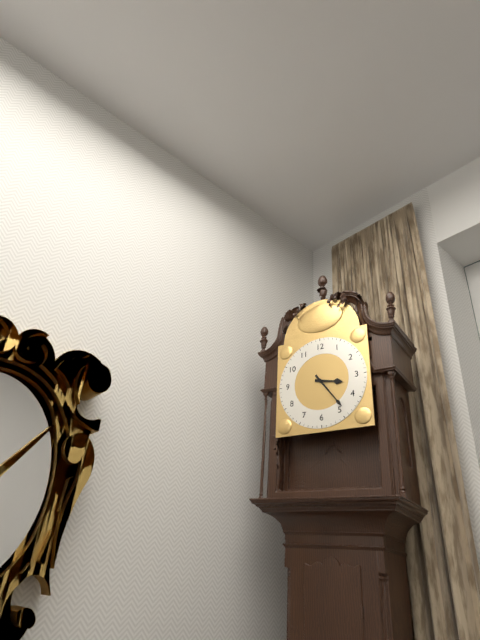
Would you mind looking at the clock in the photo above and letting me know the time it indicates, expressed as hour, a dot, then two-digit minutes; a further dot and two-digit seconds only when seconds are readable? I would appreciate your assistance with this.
3.24
